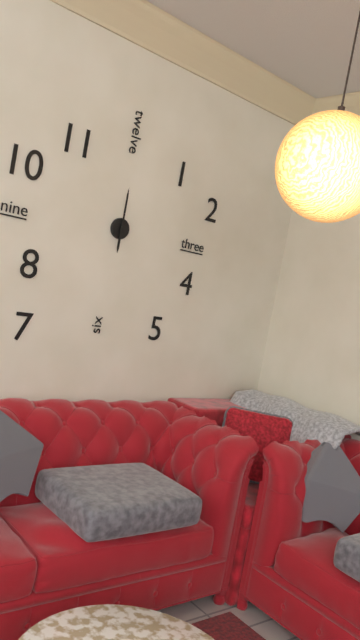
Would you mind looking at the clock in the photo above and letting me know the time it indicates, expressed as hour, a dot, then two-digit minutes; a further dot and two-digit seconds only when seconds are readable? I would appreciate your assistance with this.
6.00
